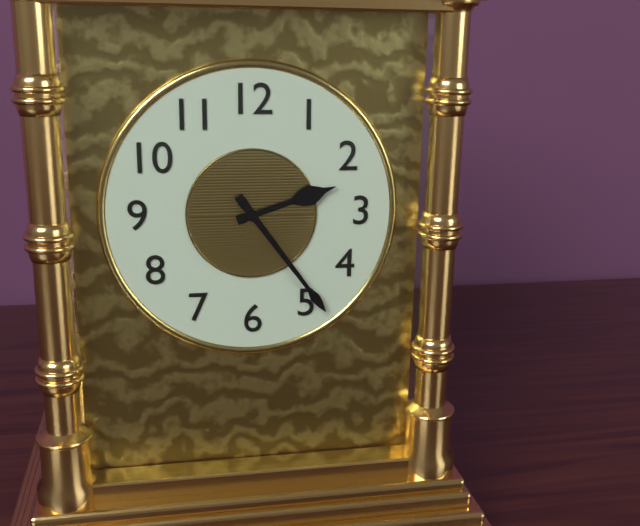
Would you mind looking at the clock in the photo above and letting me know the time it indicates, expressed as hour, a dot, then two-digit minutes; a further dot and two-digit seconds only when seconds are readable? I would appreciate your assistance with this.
2.24
